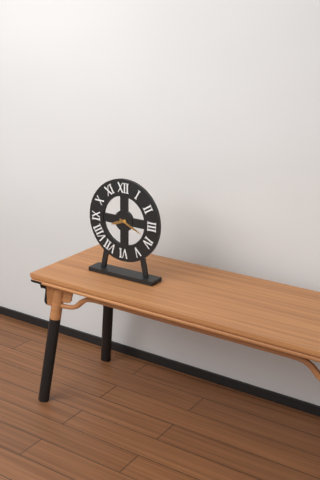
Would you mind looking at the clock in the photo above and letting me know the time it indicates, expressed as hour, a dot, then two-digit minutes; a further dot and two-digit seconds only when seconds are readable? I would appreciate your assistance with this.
8.19
